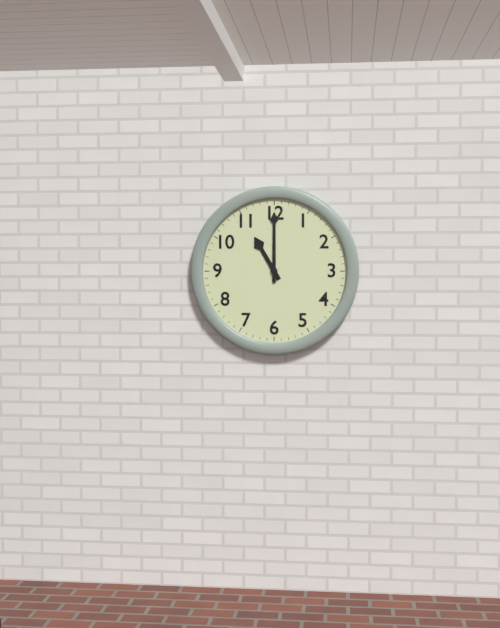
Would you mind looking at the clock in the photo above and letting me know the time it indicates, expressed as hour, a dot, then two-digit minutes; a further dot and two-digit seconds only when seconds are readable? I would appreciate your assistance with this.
11.00
